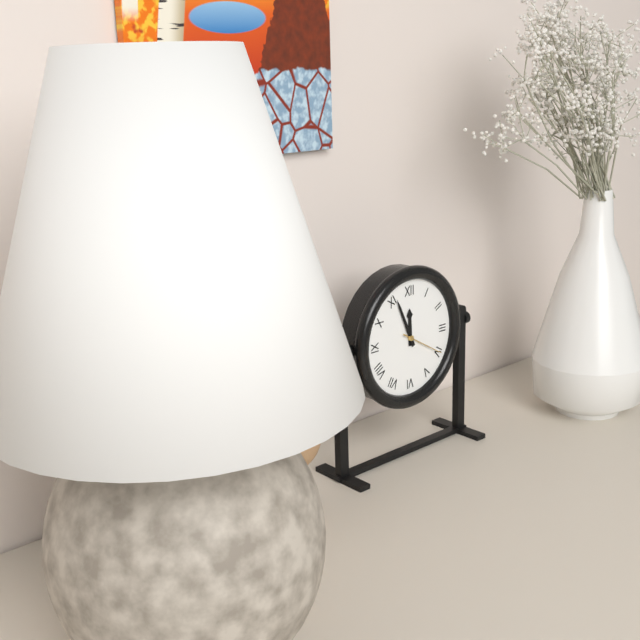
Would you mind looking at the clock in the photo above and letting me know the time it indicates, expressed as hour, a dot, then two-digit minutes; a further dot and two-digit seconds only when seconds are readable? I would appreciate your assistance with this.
11.56
